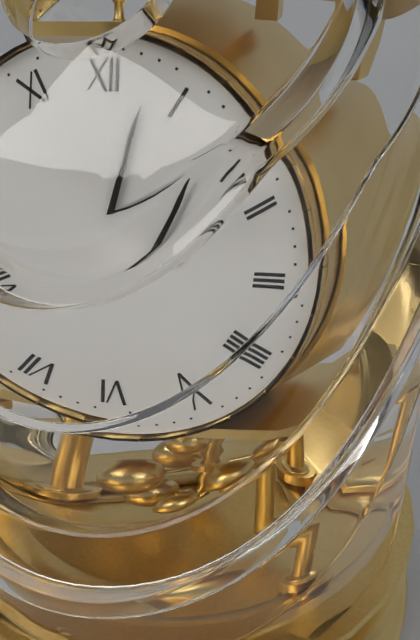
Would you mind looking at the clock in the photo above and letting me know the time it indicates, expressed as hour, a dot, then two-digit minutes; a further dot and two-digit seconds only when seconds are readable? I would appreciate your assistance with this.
2.03
